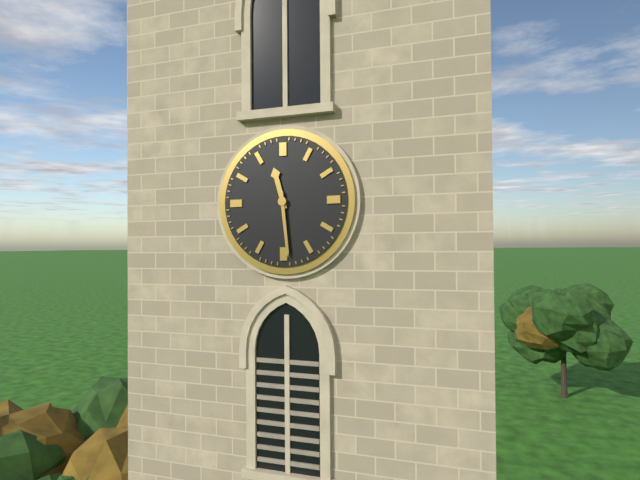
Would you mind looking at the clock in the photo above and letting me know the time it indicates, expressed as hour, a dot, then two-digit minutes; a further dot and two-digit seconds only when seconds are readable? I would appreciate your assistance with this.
11.29
